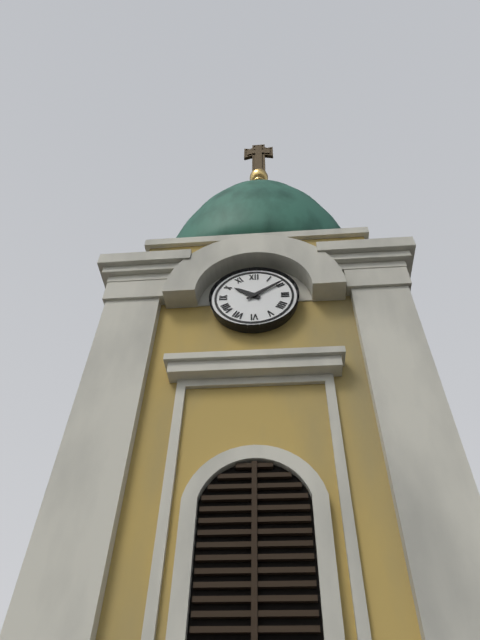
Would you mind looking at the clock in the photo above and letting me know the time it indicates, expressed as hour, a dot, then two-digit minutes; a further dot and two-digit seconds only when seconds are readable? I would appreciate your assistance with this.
10.09
